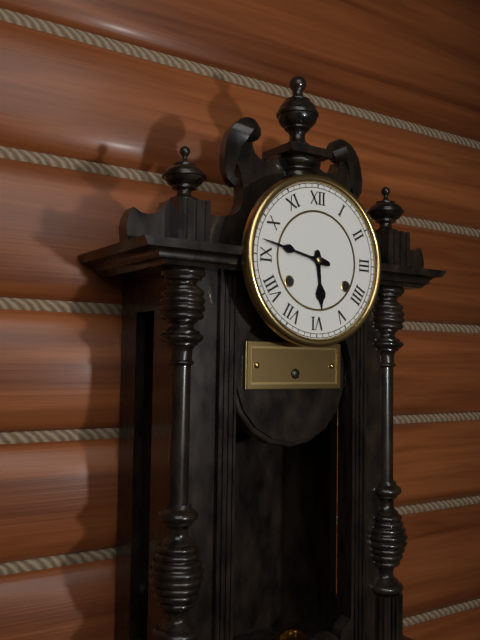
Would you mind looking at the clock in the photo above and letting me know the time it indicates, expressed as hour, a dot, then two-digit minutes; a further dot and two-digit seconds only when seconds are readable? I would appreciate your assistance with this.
5.47
